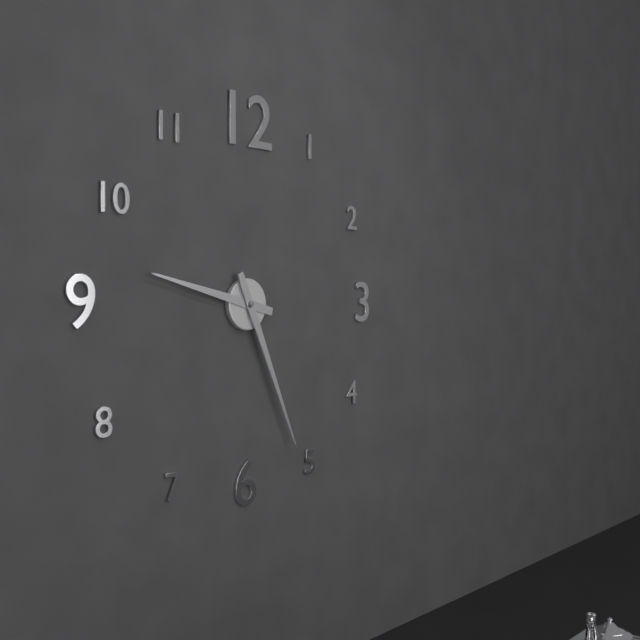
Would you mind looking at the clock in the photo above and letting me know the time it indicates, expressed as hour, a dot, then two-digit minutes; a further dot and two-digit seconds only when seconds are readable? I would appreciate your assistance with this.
9.26
